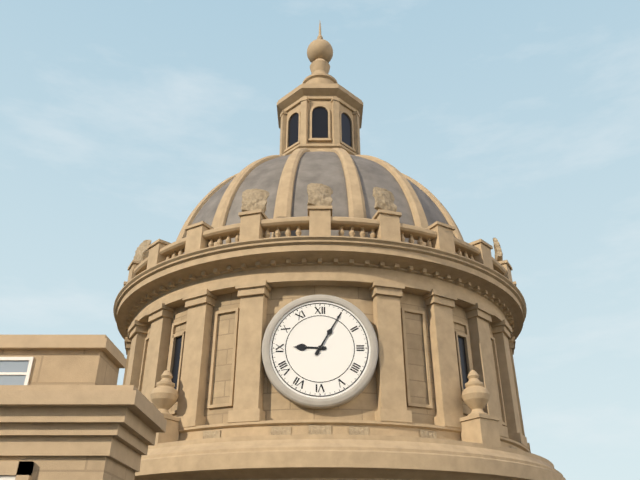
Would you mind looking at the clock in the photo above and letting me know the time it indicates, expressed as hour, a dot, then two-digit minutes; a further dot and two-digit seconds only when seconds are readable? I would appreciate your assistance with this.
9.05
